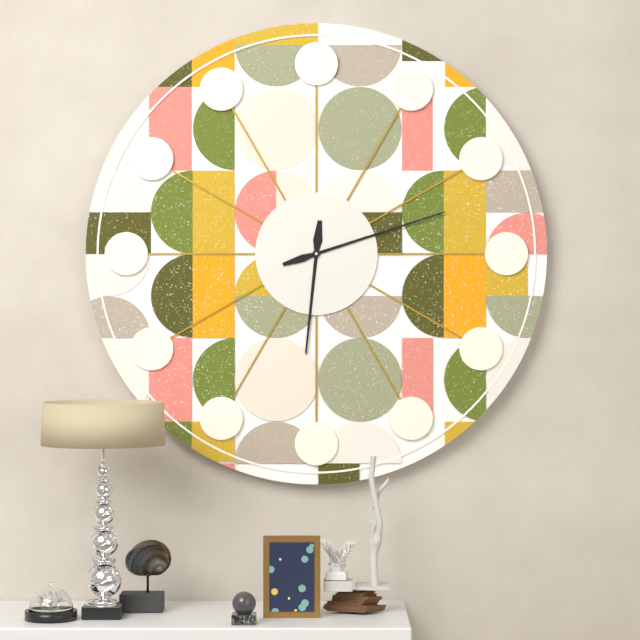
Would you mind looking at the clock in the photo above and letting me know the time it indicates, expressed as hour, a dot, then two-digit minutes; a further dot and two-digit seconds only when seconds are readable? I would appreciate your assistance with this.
6.12
